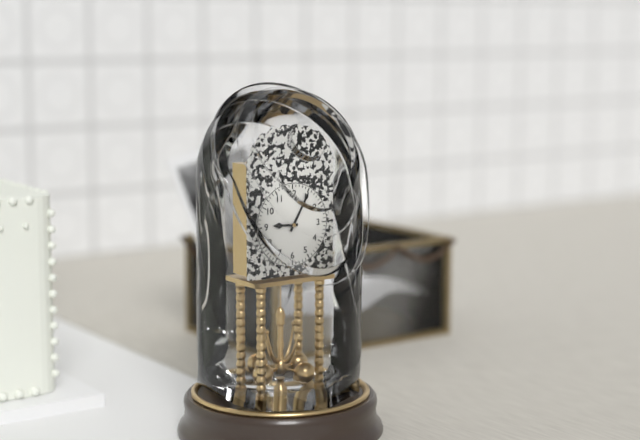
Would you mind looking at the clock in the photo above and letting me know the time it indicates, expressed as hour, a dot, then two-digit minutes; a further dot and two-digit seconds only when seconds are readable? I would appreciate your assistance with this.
9.05
